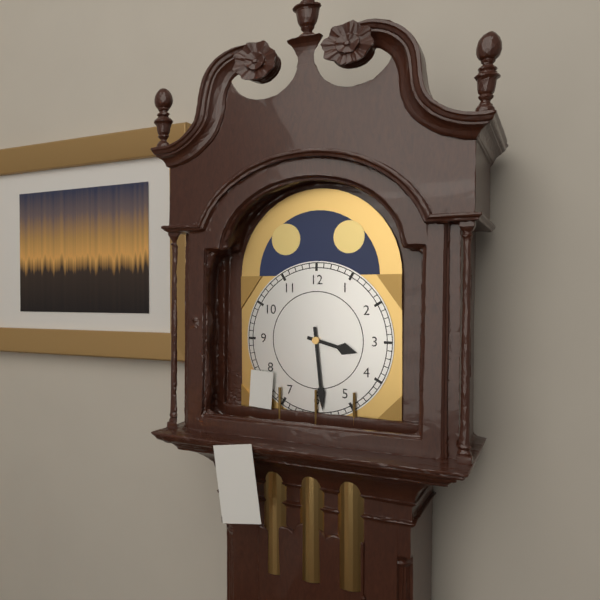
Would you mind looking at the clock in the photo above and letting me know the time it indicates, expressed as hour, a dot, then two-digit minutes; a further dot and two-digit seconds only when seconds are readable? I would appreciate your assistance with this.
3.29
